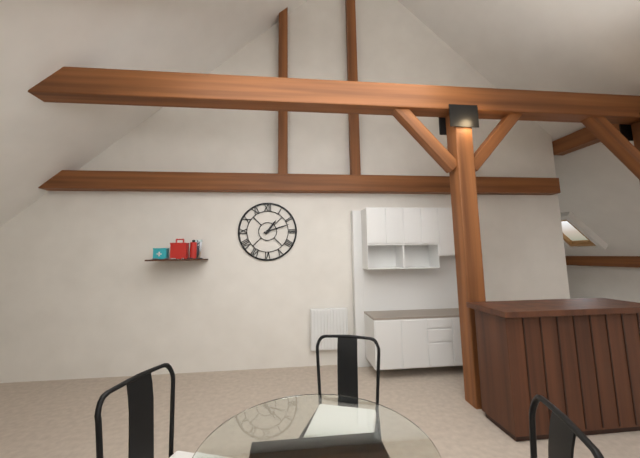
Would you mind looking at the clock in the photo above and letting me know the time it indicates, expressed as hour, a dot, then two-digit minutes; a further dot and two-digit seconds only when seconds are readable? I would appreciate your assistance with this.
1.12
